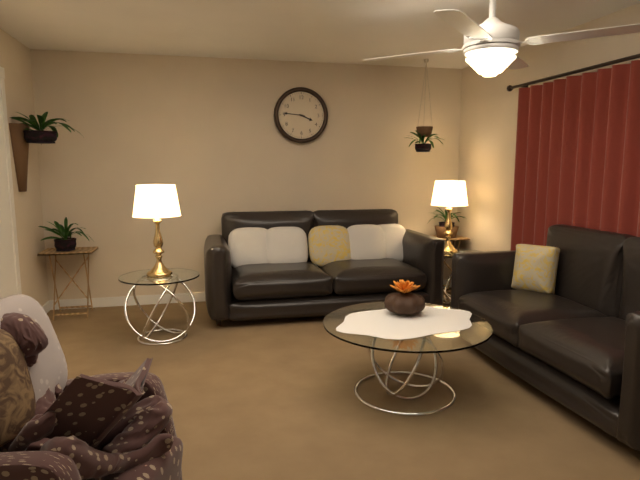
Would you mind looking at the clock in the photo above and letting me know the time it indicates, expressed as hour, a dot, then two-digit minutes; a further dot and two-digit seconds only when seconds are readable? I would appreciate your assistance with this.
3.46
